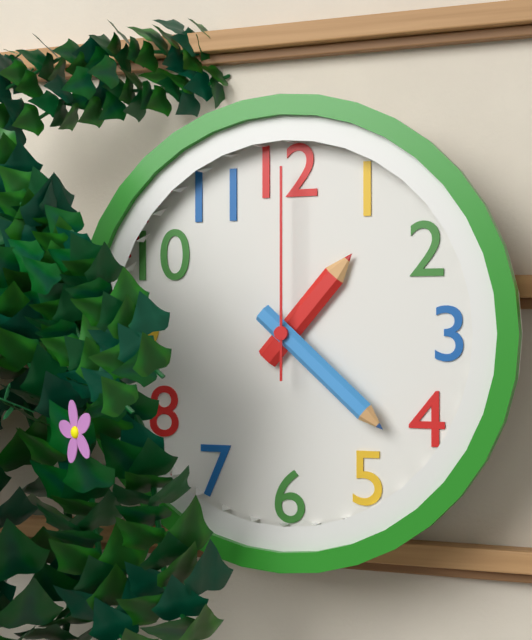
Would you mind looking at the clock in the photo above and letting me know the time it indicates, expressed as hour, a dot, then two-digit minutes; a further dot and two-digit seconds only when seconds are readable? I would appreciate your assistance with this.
1.22.00
